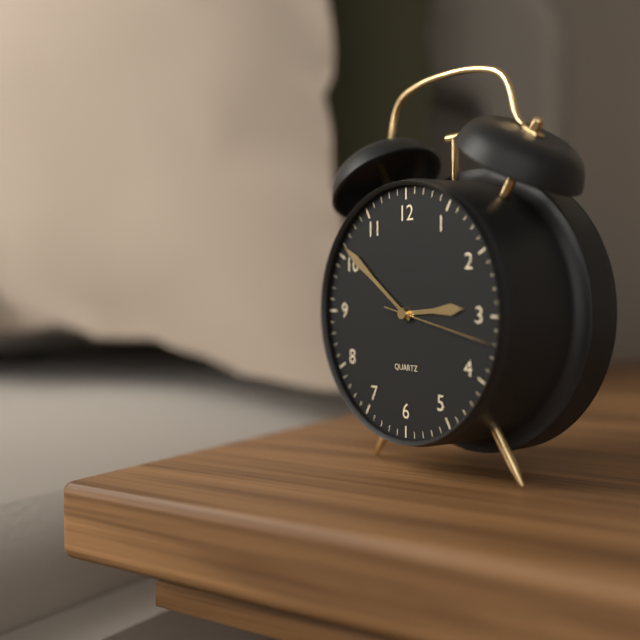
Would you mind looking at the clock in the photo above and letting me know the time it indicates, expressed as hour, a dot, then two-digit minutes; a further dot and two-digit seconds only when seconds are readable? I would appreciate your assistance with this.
2.51.17
